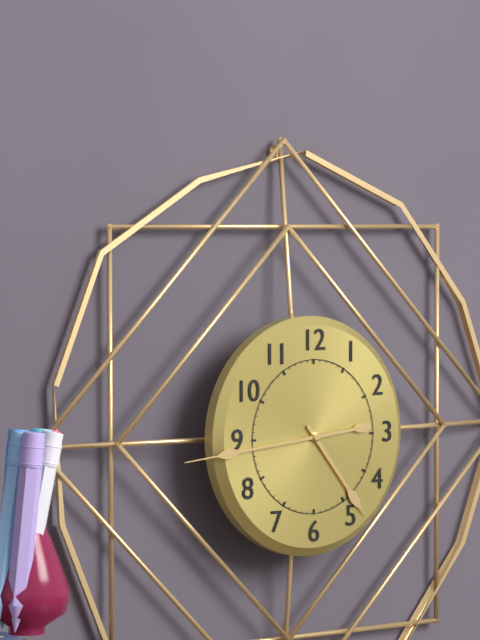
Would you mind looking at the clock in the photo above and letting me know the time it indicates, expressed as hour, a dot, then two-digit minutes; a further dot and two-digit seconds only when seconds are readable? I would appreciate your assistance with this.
4.44
